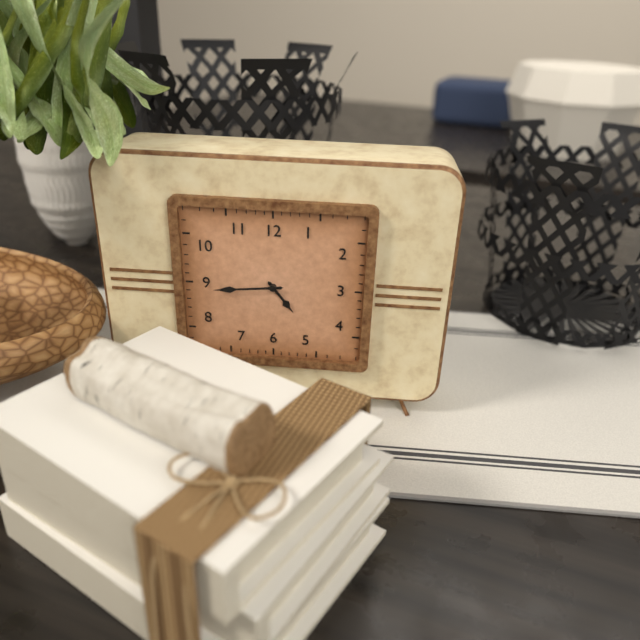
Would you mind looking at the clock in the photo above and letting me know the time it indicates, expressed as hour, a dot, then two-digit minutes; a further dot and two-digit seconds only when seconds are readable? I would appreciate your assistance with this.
4.44
